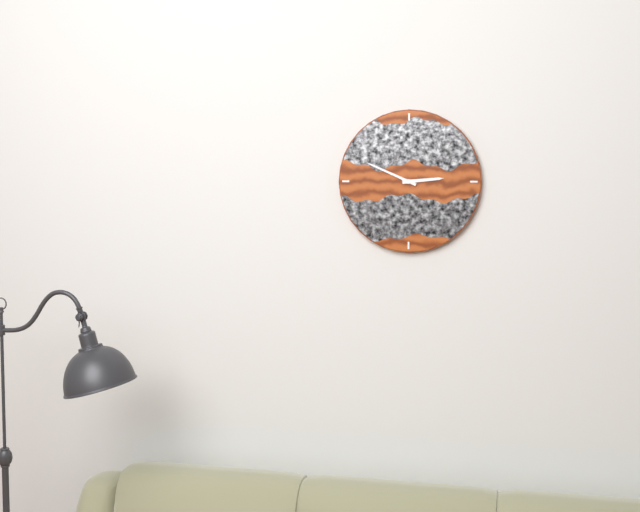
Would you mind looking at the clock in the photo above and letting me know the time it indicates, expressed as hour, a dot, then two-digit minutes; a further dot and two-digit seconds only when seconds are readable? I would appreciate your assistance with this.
2.49
